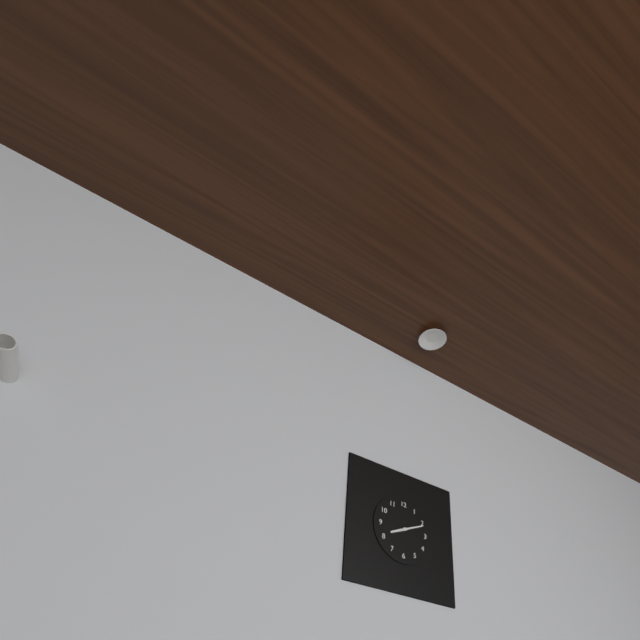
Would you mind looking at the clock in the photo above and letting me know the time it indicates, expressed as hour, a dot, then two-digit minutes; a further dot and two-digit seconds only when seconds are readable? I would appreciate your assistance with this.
8.11
